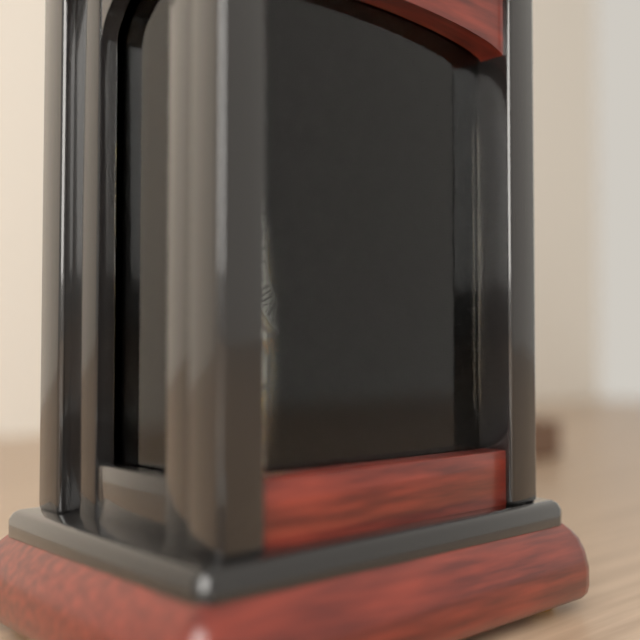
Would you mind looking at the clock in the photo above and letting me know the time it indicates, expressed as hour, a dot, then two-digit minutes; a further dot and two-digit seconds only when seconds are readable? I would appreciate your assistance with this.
3.58
